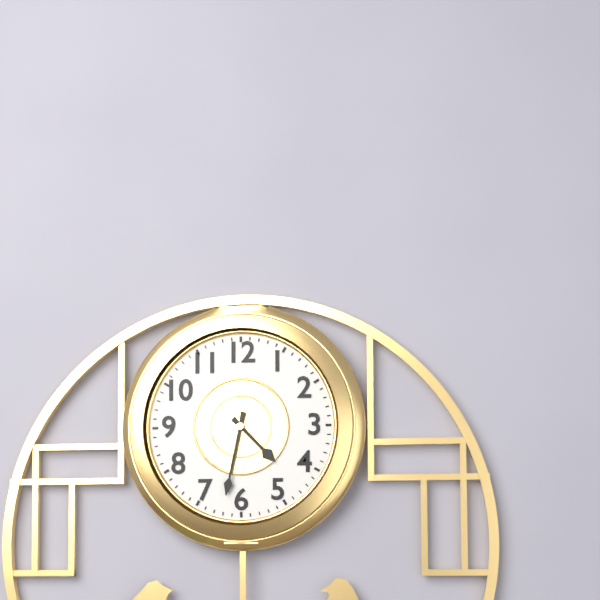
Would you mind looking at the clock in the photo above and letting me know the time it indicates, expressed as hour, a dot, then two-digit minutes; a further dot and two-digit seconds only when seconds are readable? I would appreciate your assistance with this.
4.32
